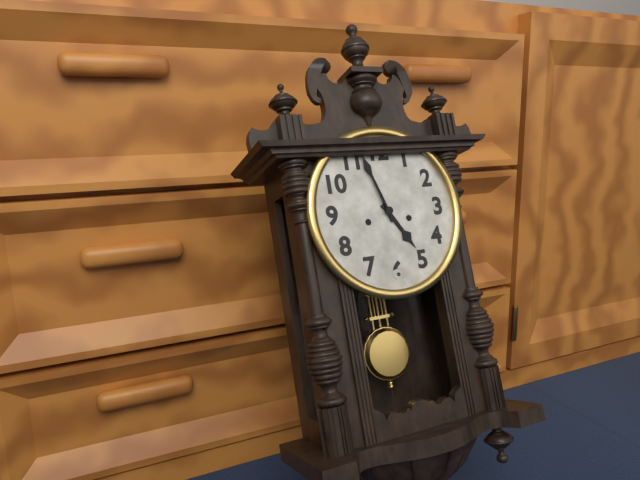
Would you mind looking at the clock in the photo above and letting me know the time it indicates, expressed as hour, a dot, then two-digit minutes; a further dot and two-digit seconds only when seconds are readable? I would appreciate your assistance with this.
4.57
